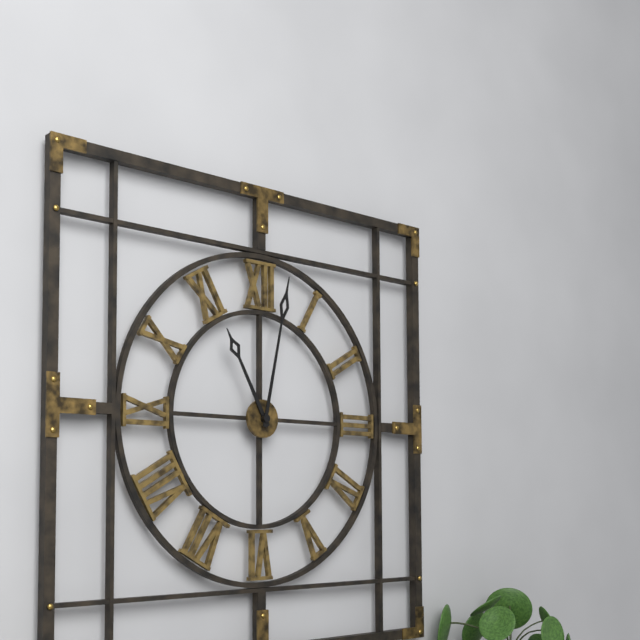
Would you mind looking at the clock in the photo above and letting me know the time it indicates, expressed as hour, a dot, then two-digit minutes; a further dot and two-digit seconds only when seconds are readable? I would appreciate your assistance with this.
11.02
